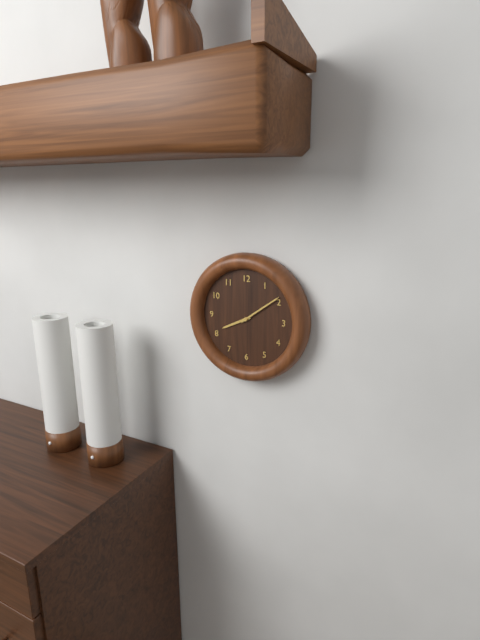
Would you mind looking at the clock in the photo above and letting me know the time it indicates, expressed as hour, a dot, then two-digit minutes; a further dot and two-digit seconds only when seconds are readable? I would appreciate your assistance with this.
8.09
